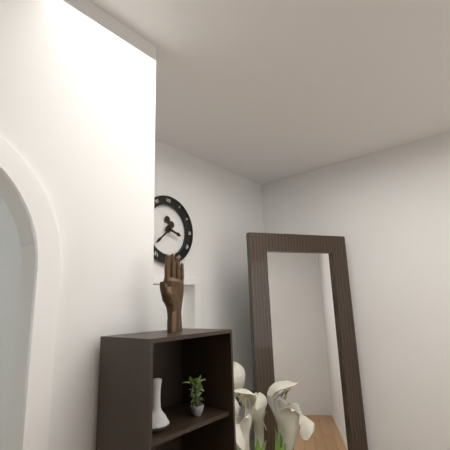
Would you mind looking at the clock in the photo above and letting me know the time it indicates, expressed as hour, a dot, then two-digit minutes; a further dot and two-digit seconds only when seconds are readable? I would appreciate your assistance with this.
3.38
